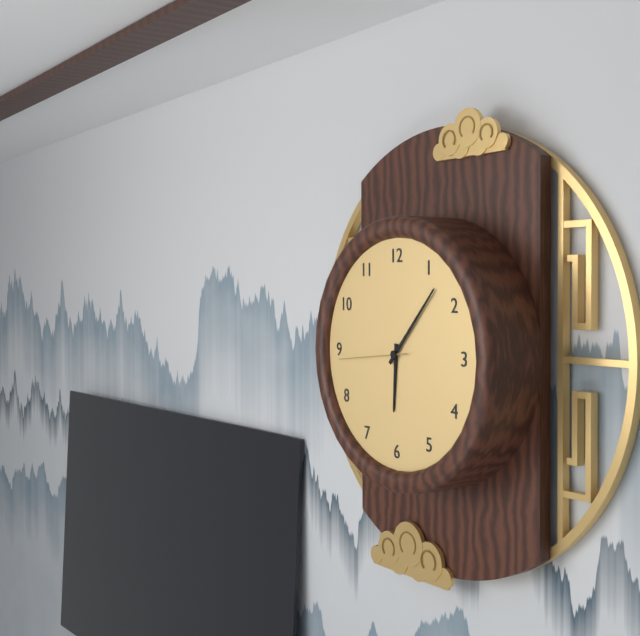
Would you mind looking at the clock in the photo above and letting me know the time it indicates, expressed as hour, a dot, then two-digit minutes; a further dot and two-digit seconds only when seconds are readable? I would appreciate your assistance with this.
6.07.44
